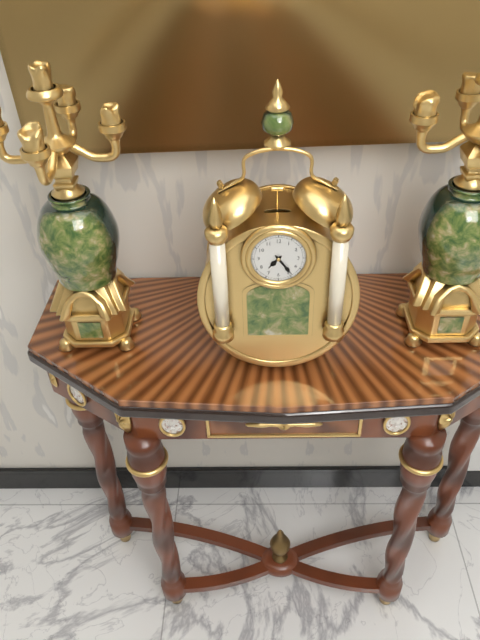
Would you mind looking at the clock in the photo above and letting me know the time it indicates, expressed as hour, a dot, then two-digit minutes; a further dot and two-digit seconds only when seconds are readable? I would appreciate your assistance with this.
7.24
